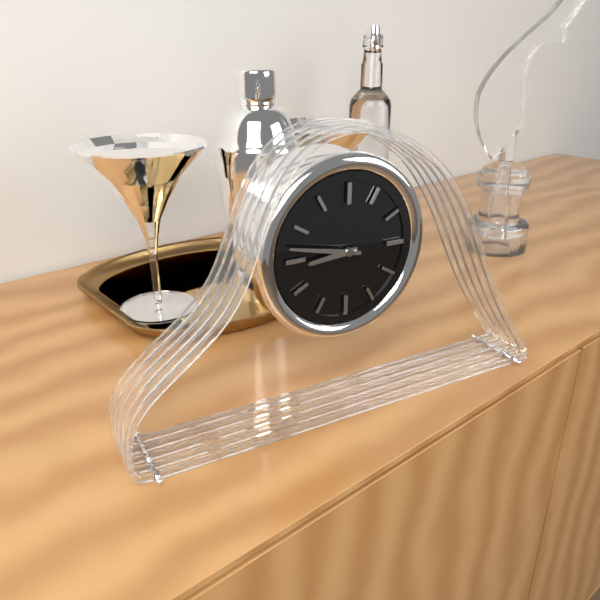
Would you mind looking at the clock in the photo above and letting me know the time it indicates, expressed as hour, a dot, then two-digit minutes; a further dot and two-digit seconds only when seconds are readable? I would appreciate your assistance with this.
8.47
